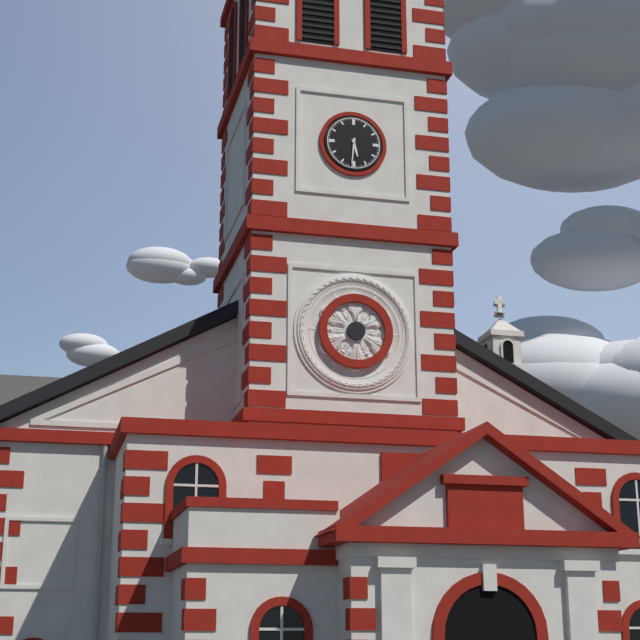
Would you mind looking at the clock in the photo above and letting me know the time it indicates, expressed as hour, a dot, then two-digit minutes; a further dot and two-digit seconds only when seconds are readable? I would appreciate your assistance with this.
5.31
